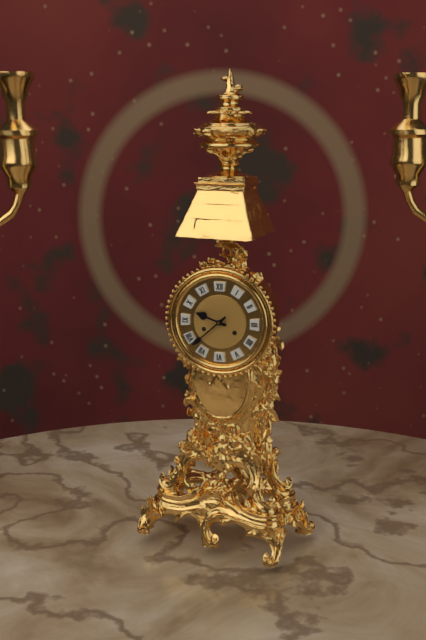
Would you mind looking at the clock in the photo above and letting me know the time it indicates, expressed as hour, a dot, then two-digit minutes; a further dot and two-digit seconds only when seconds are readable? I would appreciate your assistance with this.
9.38
